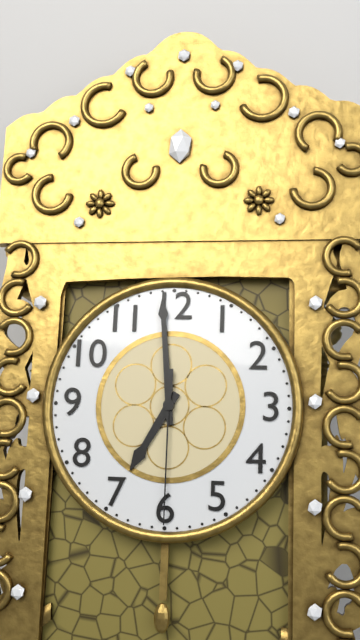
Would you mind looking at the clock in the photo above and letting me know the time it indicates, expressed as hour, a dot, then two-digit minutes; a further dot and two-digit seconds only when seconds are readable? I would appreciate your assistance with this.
6.59.30
